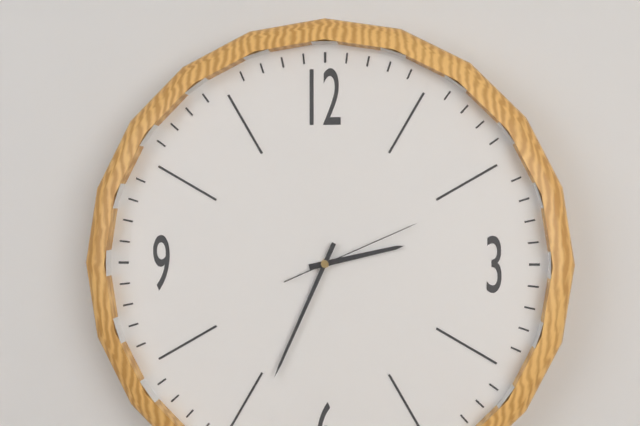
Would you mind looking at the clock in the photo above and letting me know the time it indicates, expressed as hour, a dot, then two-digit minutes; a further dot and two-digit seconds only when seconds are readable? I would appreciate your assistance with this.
2.34.11
